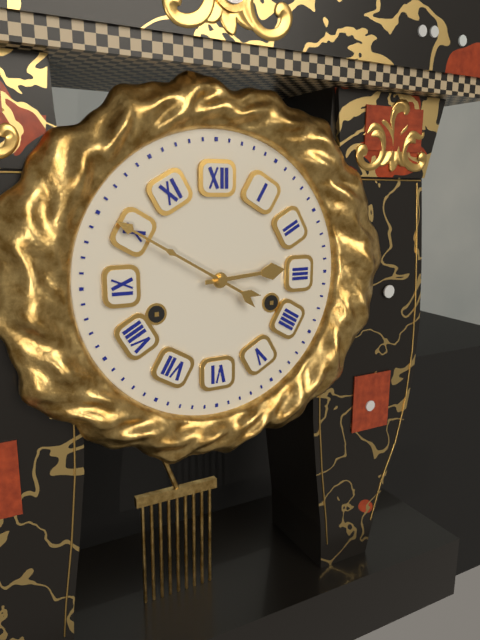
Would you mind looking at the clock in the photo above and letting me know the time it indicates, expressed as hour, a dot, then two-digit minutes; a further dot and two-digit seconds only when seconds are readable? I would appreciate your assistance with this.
2.50
